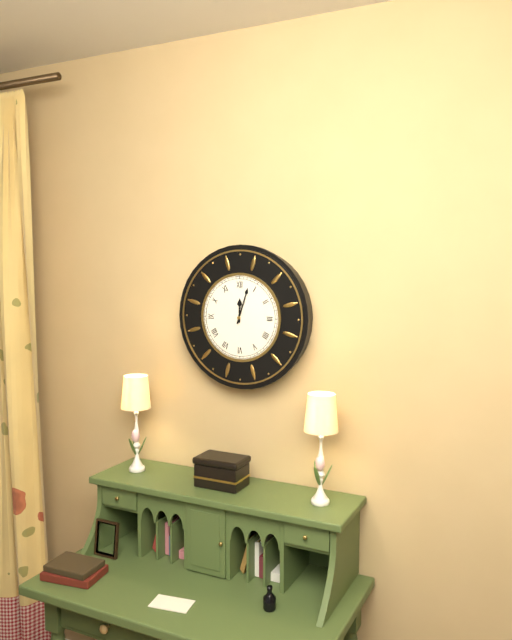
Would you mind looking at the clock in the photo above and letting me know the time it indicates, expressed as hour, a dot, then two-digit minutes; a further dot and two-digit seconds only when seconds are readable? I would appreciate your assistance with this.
12.03
